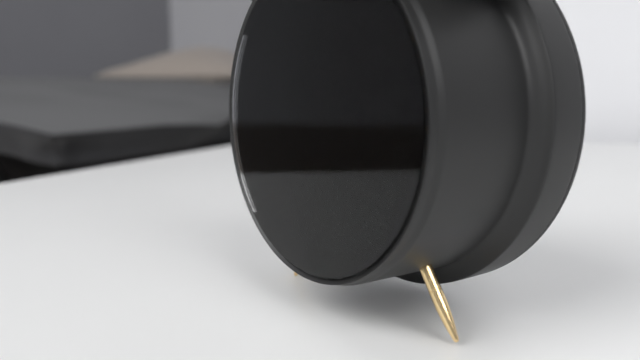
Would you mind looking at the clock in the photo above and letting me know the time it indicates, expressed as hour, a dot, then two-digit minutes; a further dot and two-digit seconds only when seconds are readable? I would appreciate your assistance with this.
6.50.53
